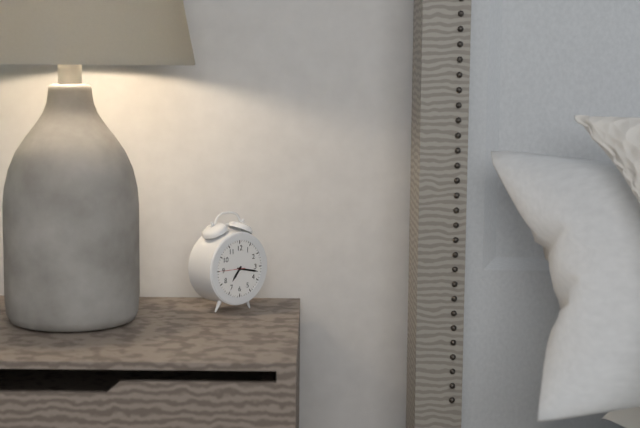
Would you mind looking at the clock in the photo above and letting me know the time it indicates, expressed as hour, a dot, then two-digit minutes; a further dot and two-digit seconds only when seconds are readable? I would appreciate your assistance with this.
7.17
